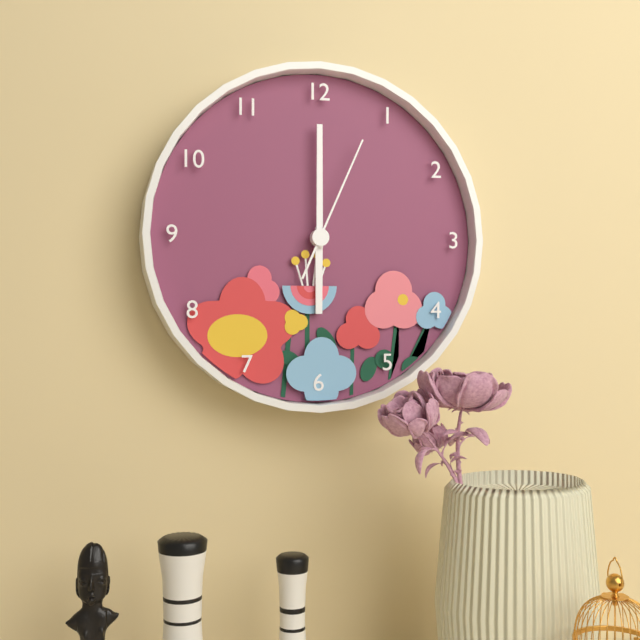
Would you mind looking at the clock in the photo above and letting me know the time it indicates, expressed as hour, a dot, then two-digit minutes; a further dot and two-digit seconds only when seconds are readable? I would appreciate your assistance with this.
6.00.04
